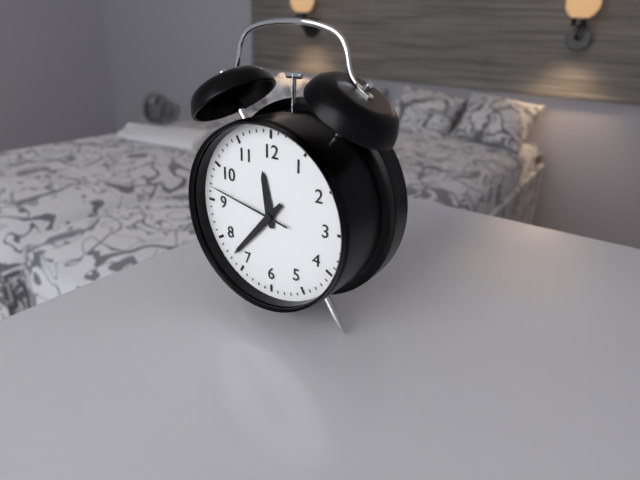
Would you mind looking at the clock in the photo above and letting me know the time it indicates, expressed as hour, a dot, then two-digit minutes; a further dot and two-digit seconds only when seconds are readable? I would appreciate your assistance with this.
11.37.47
